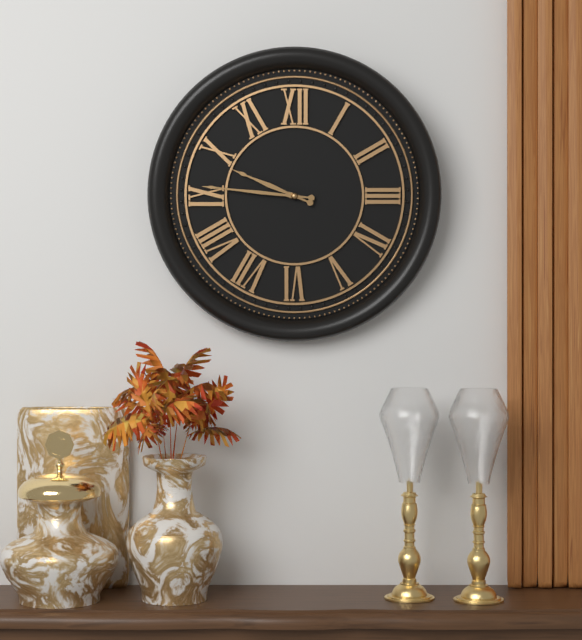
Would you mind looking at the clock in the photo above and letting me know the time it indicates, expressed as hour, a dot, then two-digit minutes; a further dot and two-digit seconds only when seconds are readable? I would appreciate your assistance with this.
9.46
